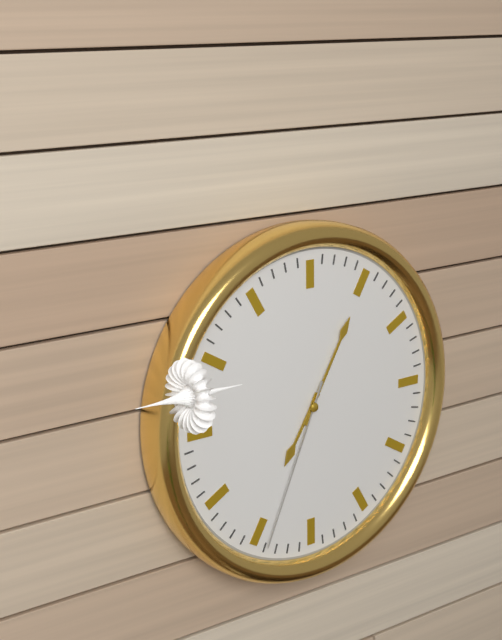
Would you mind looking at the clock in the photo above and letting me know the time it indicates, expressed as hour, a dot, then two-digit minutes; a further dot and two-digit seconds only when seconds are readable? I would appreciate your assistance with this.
7.05.34
